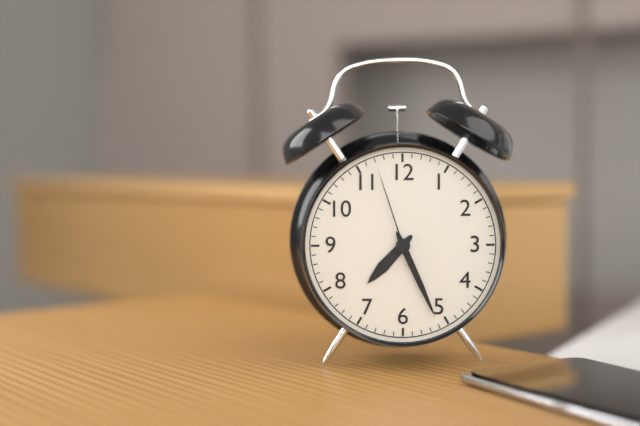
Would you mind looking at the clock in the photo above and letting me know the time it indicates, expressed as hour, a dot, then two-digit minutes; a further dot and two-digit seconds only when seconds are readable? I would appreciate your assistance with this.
7.26.57
